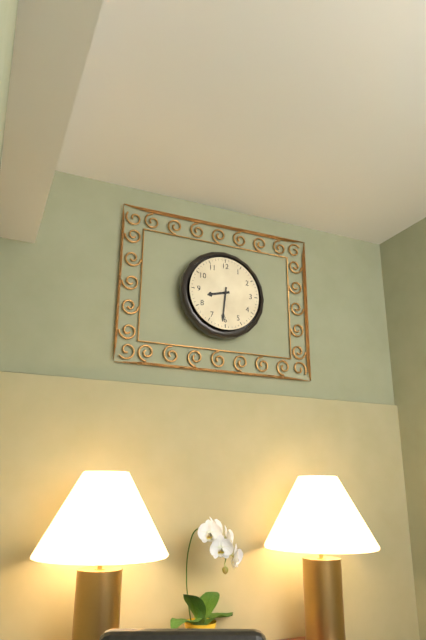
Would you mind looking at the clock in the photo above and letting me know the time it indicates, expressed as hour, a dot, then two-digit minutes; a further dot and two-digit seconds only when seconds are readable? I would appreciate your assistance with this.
8.31
